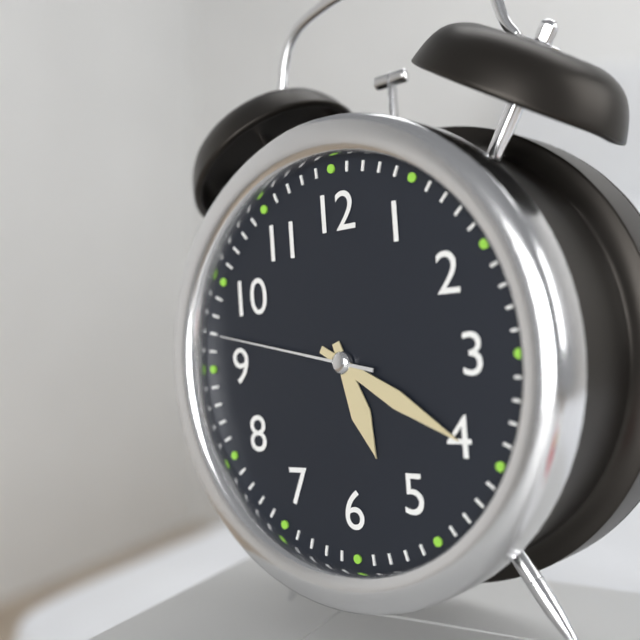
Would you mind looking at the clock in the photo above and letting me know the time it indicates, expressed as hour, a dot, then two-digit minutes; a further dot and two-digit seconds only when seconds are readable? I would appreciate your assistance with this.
5.20.47
